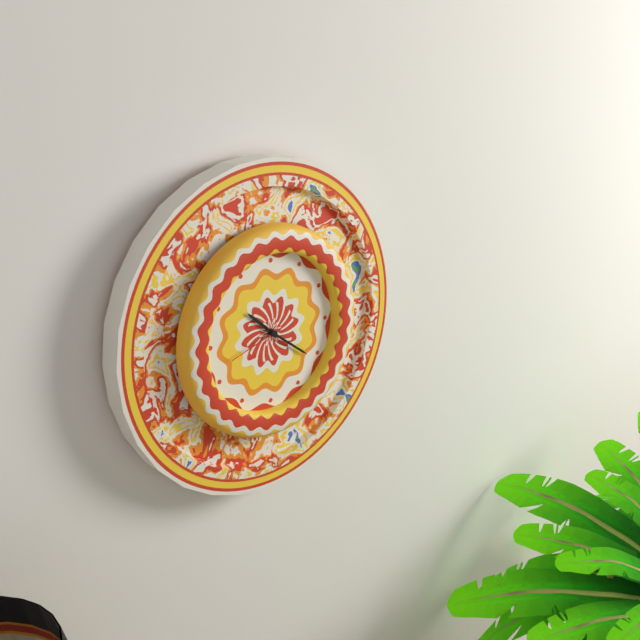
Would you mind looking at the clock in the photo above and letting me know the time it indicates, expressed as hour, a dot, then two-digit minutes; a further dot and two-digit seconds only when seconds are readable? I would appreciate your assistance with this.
10.21.42
